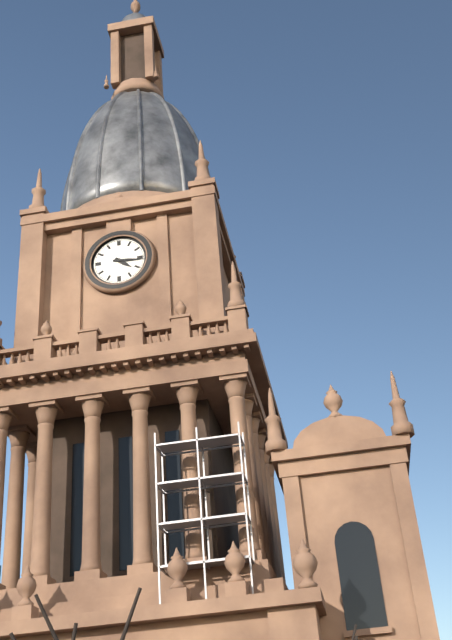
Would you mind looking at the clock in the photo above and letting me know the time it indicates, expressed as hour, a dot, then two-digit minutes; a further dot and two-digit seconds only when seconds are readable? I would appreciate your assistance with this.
4.16
